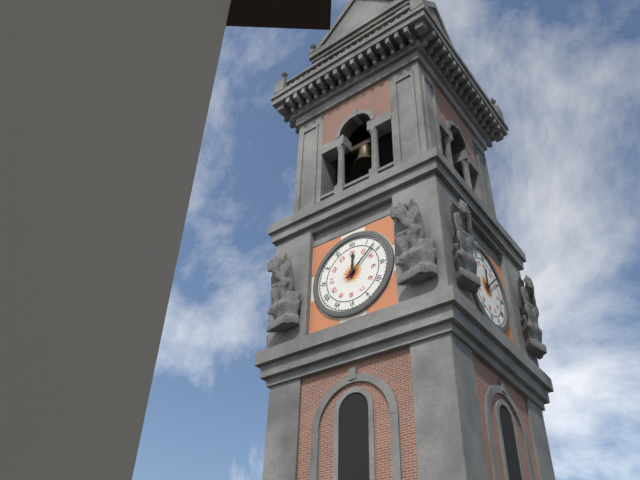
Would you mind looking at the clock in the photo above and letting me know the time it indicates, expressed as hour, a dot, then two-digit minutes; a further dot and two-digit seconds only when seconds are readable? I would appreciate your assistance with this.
12.08
